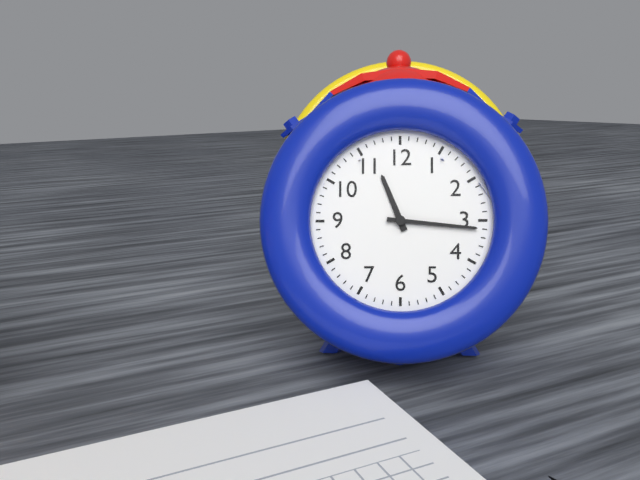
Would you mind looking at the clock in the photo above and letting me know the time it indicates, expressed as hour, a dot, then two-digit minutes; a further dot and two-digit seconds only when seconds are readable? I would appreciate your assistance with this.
11.16
